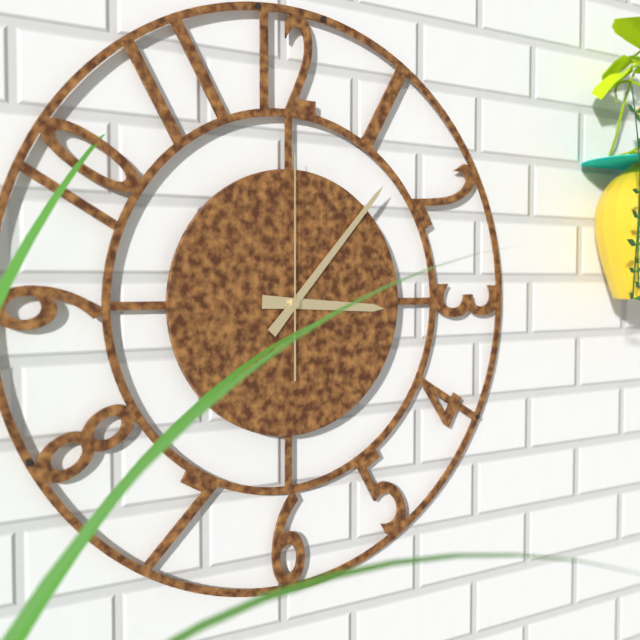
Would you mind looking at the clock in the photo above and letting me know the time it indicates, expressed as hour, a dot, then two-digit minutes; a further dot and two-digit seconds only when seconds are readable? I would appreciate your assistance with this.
3.07.00
